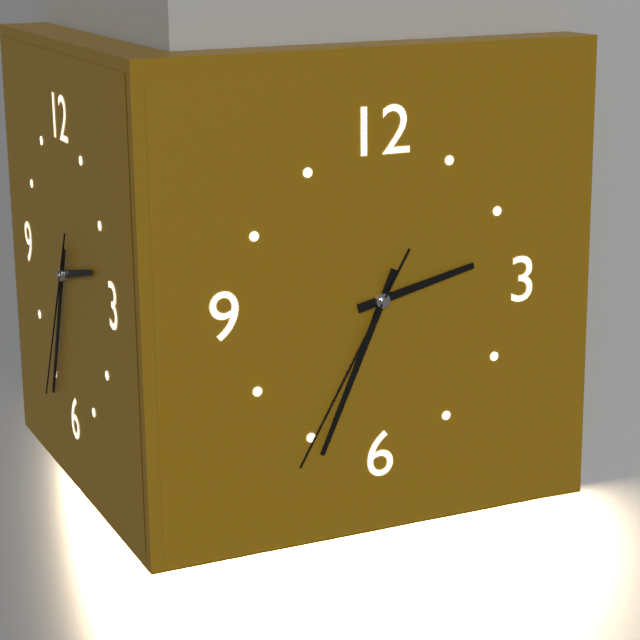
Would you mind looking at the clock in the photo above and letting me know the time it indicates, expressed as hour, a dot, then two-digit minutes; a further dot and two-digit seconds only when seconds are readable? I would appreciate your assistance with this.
2.34.35
